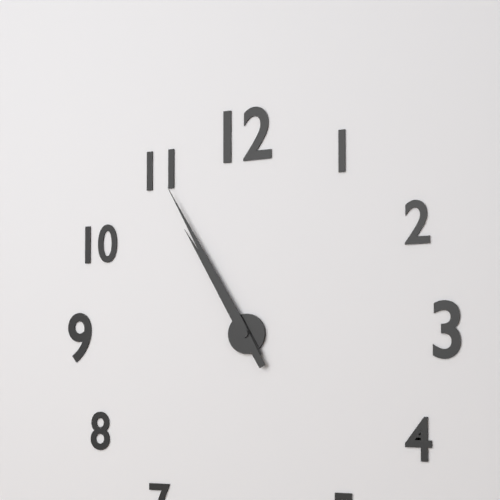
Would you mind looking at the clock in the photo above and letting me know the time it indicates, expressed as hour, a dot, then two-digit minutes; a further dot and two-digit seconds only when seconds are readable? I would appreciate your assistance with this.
10.55
